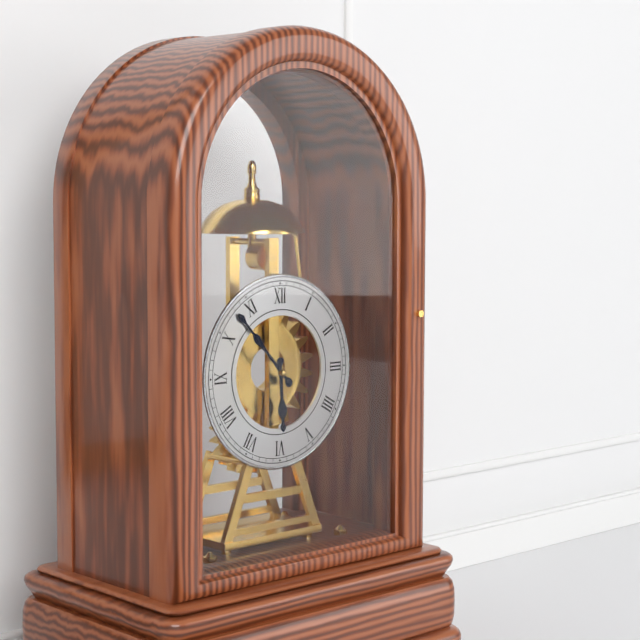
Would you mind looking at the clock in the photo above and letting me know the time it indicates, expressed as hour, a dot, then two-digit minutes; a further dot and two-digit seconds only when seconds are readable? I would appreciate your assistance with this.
5.53
